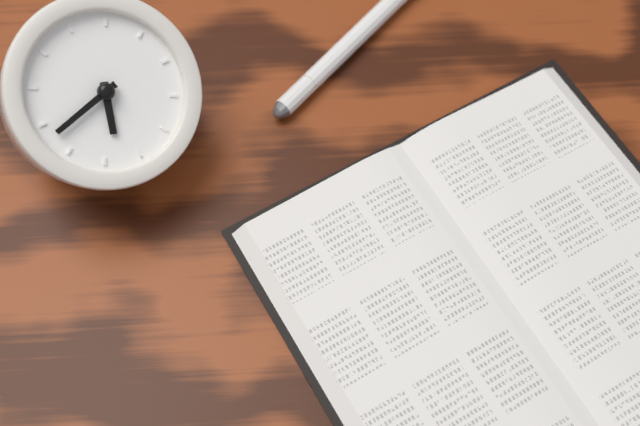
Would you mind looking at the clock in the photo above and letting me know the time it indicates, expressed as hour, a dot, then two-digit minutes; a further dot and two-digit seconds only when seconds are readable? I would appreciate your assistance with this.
5.38
